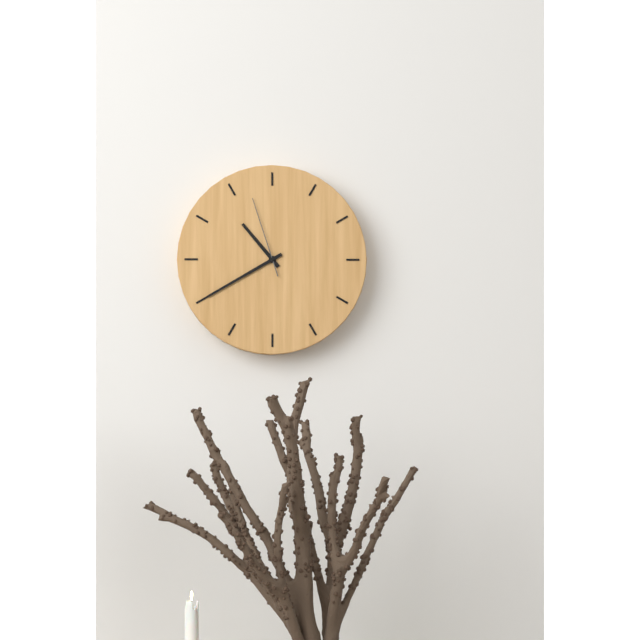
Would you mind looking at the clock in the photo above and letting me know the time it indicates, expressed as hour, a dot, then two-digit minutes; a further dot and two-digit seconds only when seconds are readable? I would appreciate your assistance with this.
10.40.57
